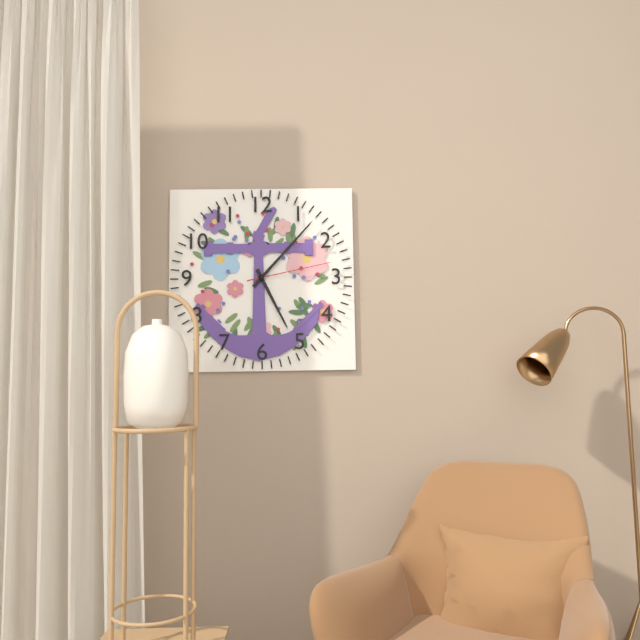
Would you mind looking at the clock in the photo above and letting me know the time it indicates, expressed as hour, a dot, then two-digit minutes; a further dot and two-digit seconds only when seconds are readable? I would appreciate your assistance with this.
5.07.13
